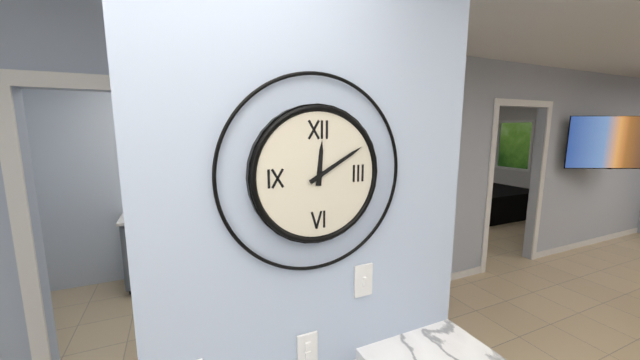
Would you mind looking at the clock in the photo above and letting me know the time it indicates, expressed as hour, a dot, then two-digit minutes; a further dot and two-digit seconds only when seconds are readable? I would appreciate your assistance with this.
12.10
